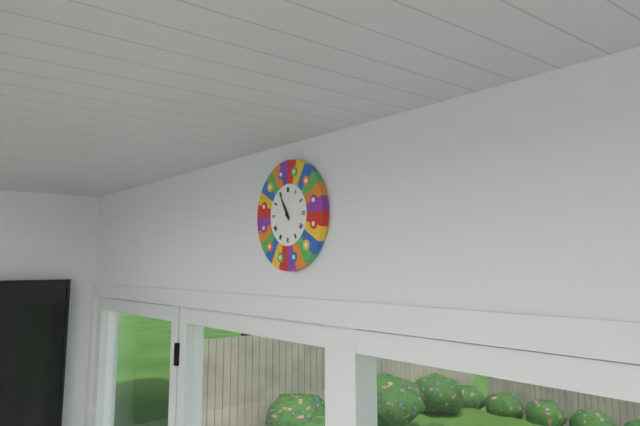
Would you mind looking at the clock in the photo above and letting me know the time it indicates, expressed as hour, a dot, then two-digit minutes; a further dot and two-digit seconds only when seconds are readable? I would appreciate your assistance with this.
10.55
